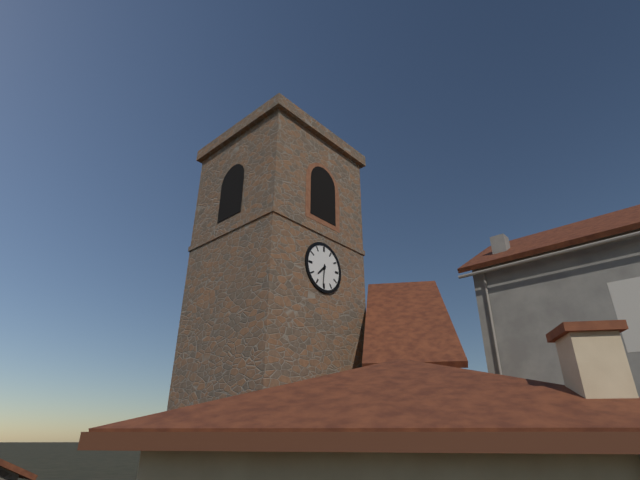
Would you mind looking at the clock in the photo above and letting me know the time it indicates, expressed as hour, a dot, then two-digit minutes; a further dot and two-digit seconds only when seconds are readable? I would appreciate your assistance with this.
7.31
